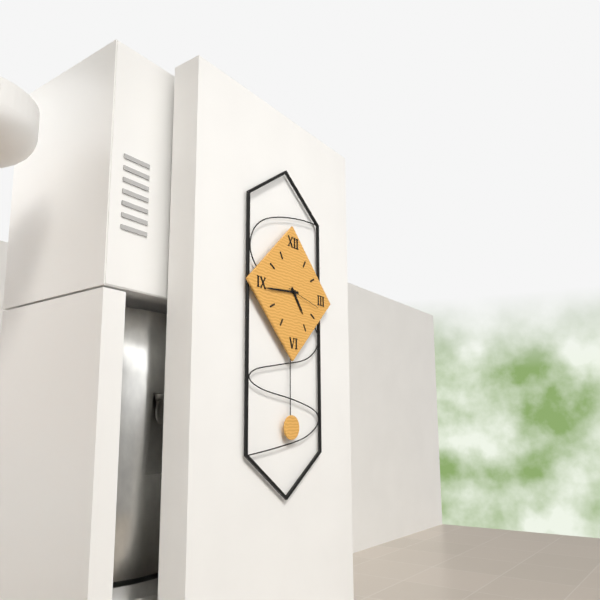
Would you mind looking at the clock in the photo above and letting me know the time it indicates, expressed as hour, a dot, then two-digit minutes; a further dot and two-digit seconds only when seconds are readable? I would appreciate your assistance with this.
4.44
